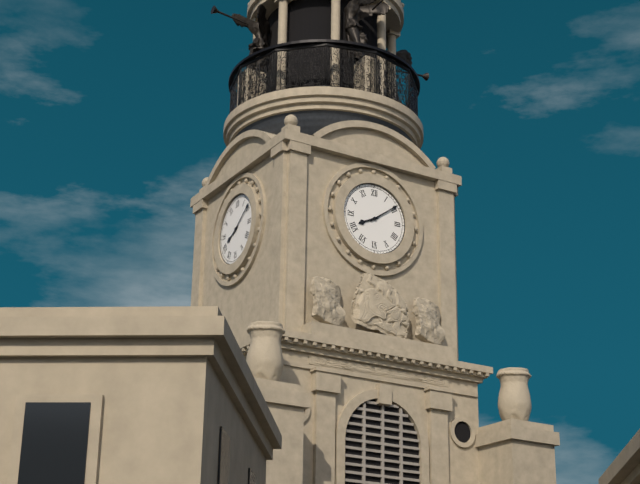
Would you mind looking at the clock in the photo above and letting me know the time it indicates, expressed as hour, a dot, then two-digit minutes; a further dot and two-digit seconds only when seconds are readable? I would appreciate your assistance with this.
8.09
